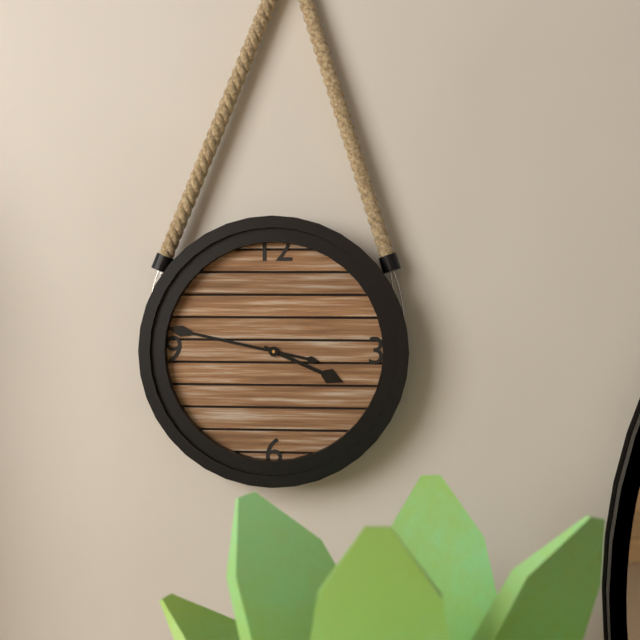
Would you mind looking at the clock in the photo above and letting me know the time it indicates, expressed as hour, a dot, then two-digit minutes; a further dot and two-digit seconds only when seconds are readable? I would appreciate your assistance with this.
3.47
